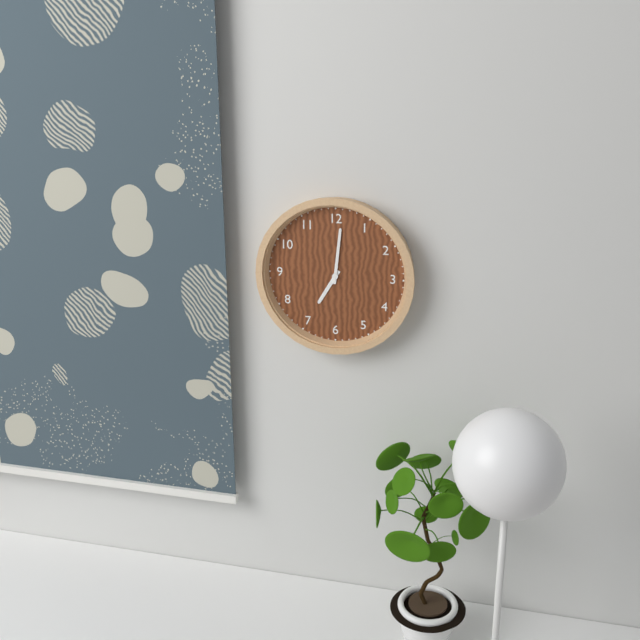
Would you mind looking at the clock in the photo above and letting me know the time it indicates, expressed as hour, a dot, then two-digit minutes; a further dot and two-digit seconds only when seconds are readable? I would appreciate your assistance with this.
7.01
